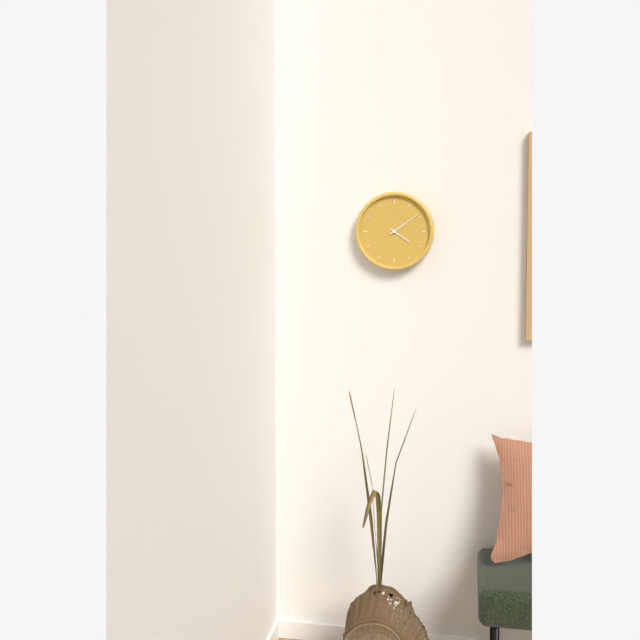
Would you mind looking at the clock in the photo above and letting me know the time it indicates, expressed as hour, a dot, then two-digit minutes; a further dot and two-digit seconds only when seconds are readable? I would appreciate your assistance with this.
4.09
